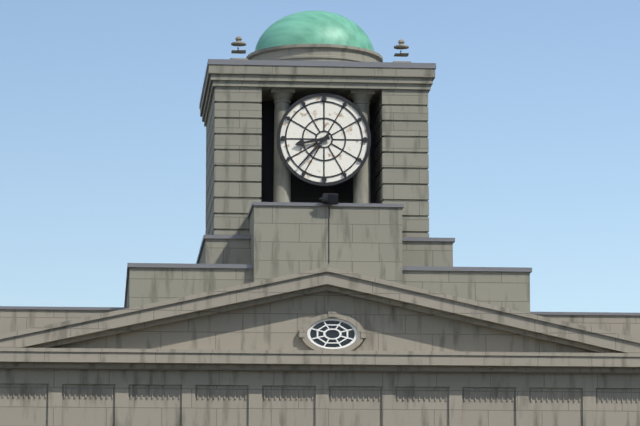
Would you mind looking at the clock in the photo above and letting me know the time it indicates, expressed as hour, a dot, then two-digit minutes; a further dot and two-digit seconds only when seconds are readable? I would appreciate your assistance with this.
8.37
